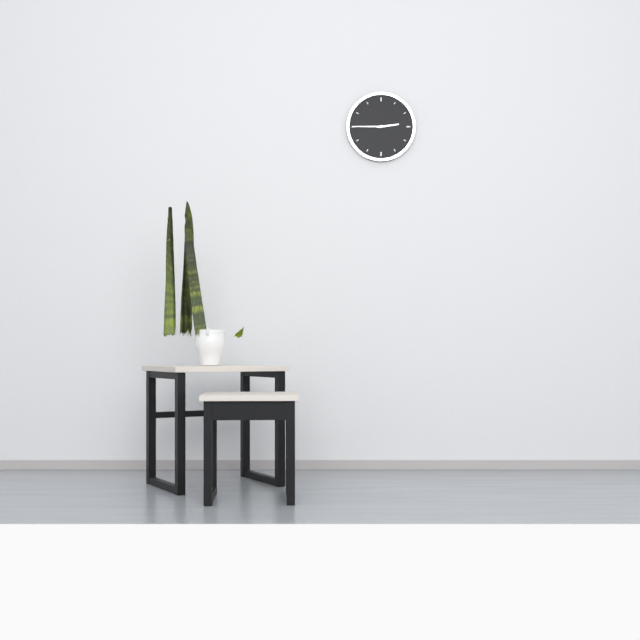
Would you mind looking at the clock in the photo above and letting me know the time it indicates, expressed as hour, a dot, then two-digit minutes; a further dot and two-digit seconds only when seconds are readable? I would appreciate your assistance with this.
2.45
